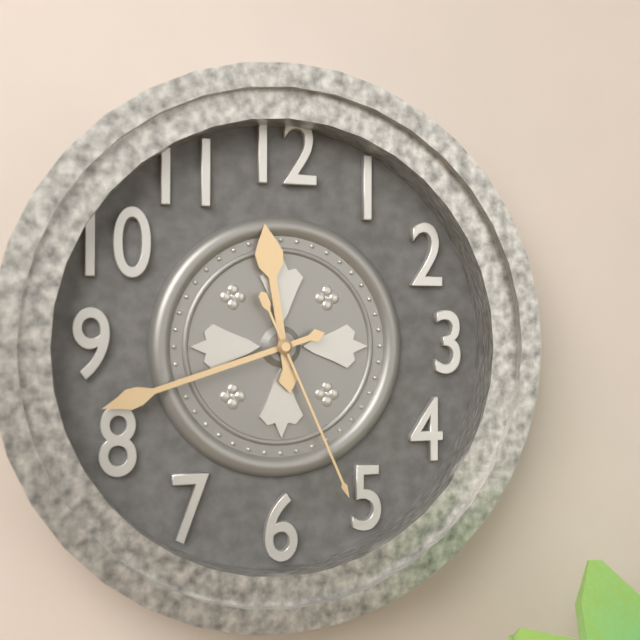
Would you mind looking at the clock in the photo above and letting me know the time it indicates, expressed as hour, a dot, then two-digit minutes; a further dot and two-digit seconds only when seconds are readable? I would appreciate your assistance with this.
11.42.26
